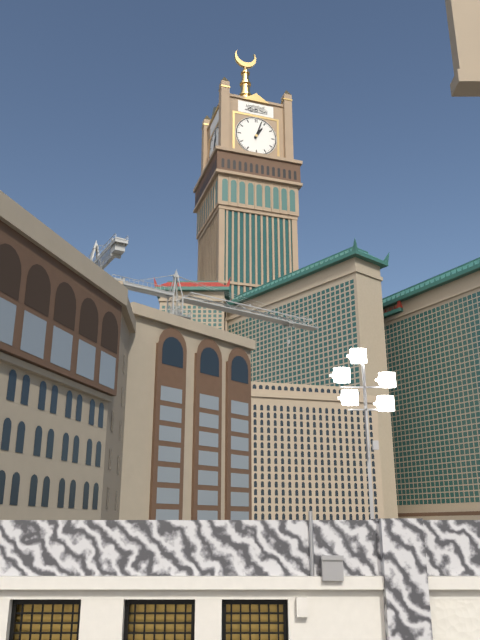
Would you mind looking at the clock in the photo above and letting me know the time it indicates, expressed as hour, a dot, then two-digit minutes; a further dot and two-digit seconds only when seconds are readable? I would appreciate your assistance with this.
1.03
